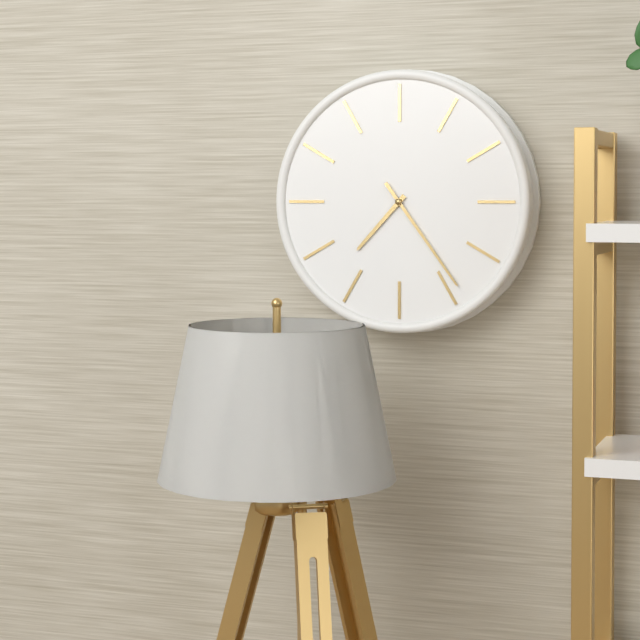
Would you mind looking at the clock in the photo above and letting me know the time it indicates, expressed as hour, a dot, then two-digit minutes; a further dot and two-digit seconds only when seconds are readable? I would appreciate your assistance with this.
7.24
